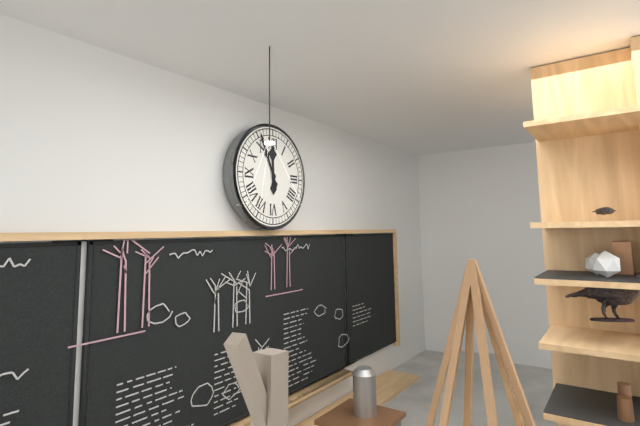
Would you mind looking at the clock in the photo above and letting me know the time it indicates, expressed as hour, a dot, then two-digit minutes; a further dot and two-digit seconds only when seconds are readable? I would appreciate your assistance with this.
11.56
